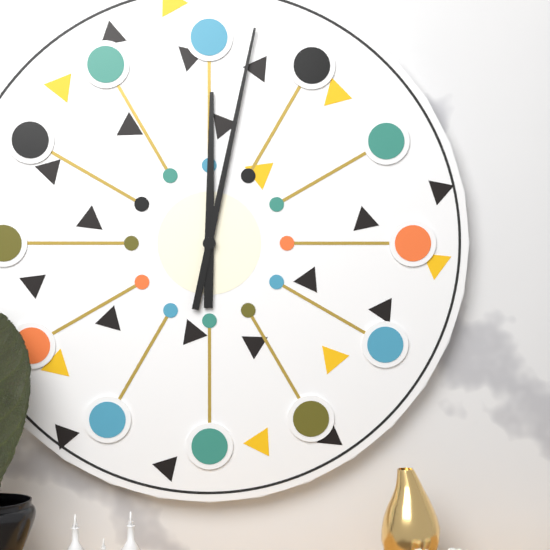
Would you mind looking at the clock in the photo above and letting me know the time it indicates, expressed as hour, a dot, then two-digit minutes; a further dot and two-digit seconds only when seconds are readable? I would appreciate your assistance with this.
12.02
